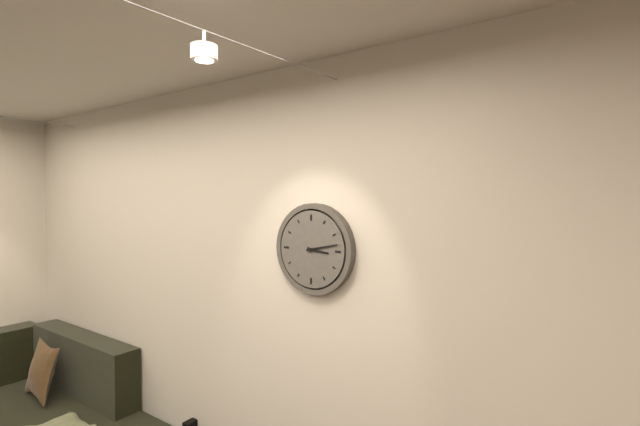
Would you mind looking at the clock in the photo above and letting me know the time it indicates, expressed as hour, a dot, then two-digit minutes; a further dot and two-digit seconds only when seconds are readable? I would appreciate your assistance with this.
3.13
